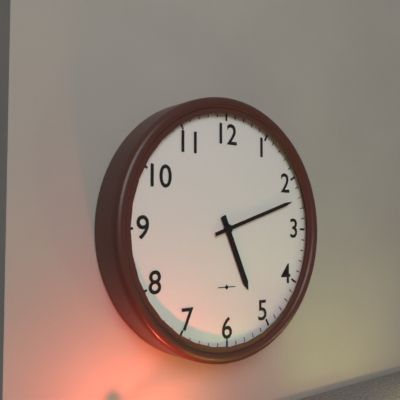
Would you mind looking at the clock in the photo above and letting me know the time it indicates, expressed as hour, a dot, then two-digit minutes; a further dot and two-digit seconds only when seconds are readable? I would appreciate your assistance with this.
5.12
